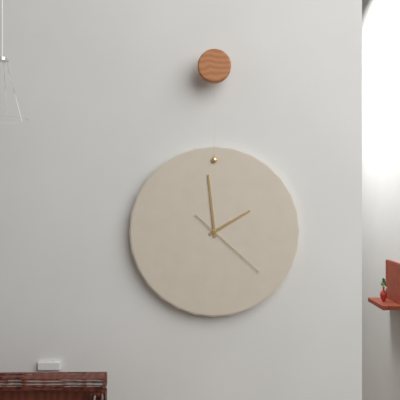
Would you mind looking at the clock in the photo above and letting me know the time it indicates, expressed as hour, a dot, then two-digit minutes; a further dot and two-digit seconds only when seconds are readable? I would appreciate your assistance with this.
1.59.22
